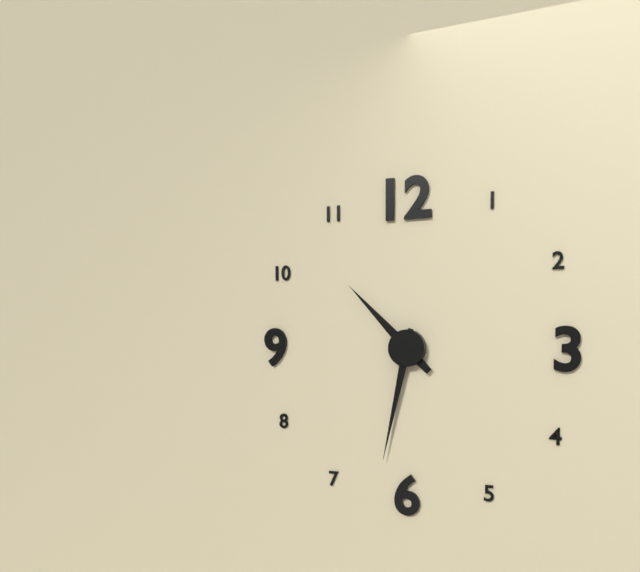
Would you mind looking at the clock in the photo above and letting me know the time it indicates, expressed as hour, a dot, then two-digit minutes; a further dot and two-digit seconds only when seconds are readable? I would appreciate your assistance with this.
10.32
